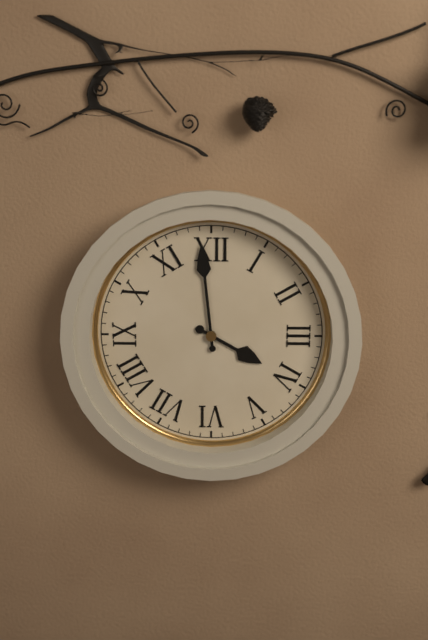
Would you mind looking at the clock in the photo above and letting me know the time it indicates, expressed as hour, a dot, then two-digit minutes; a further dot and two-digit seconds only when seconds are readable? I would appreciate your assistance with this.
3.59
